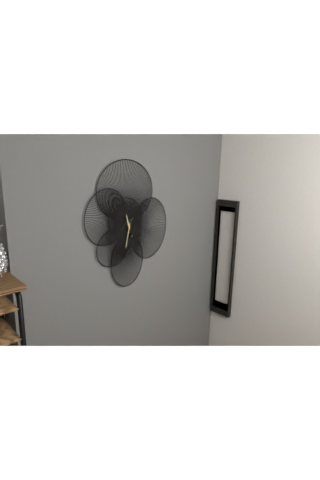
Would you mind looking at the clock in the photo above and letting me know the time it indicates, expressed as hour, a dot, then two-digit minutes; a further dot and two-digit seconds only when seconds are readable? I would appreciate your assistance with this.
11.32
